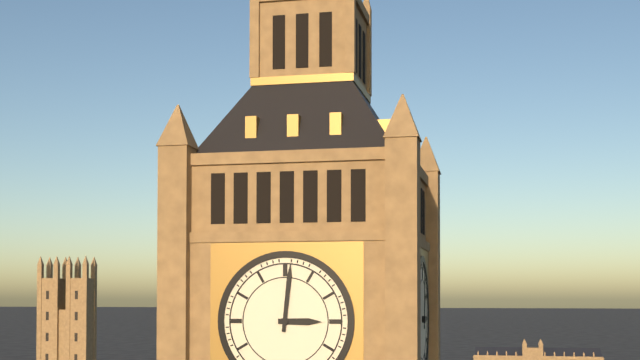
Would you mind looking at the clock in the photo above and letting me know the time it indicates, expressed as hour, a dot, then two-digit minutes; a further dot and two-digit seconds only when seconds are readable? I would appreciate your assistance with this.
3.01
